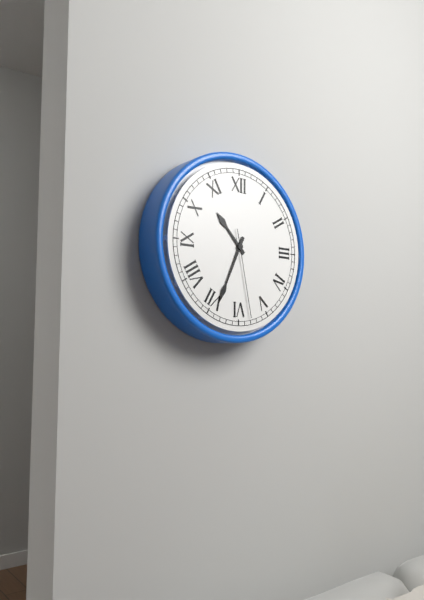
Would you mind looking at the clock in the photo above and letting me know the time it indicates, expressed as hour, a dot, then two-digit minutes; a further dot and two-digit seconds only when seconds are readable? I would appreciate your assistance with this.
10.34.28
